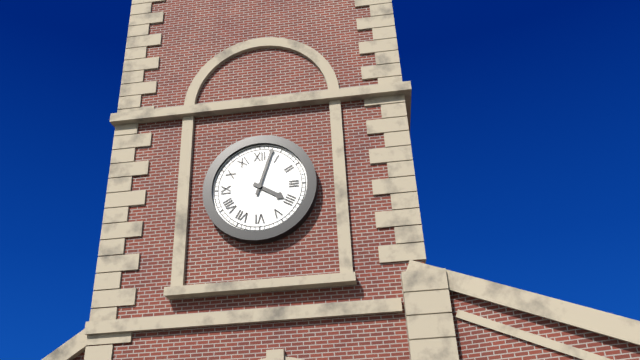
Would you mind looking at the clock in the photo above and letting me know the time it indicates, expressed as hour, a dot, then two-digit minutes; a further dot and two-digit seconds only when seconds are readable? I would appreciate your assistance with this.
4.03
